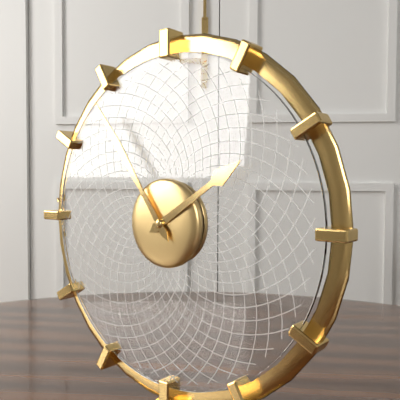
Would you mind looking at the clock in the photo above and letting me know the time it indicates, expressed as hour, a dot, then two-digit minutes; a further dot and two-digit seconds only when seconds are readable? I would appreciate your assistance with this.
1.54
